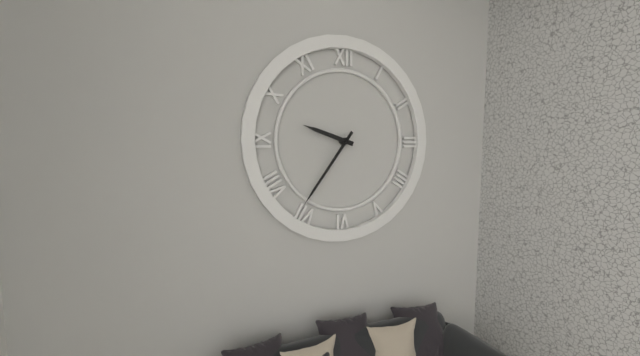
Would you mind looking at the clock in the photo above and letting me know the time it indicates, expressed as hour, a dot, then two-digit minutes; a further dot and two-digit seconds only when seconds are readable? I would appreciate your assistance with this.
9.36
